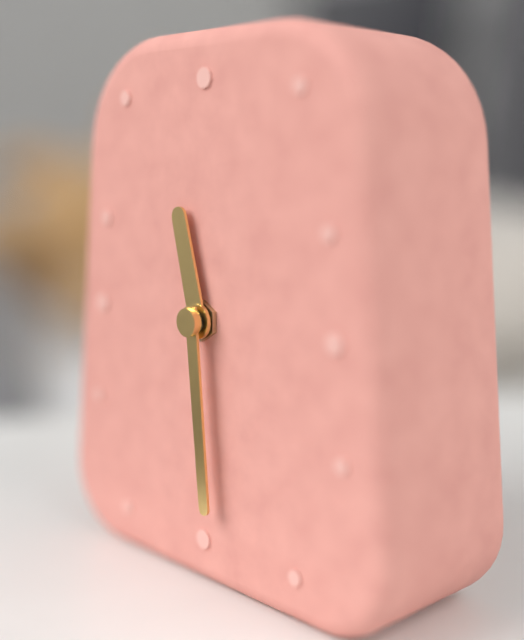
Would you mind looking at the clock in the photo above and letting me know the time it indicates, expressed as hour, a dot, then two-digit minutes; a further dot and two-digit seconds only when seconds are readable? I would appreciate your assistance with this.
11.29
